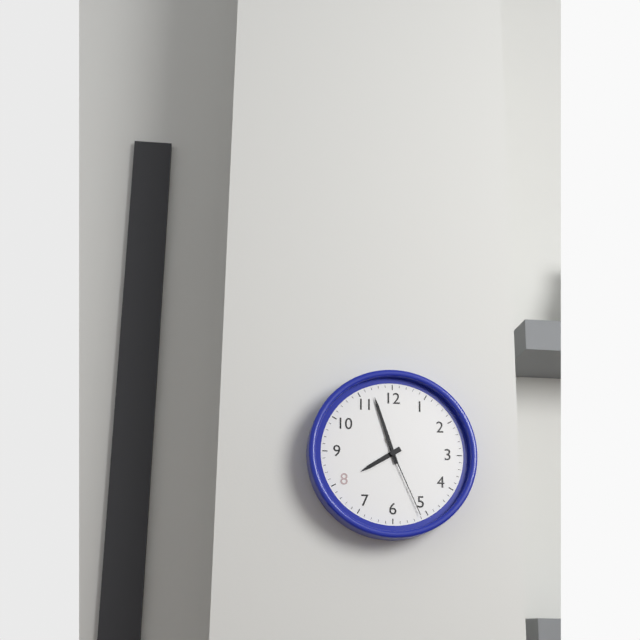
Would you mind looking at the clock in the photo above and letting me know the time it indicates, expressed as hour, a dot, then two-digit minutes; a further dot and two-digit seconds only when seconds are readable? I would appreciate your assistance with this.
7.57.26
